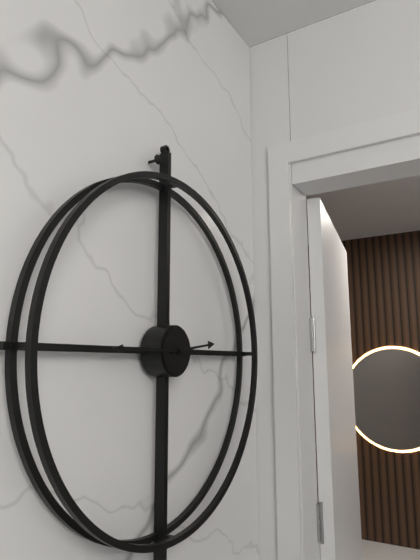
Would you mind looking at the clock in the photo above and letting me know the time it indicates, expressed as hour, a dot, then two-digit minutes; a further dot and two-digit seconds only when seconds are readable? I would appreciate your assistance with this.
2.45
